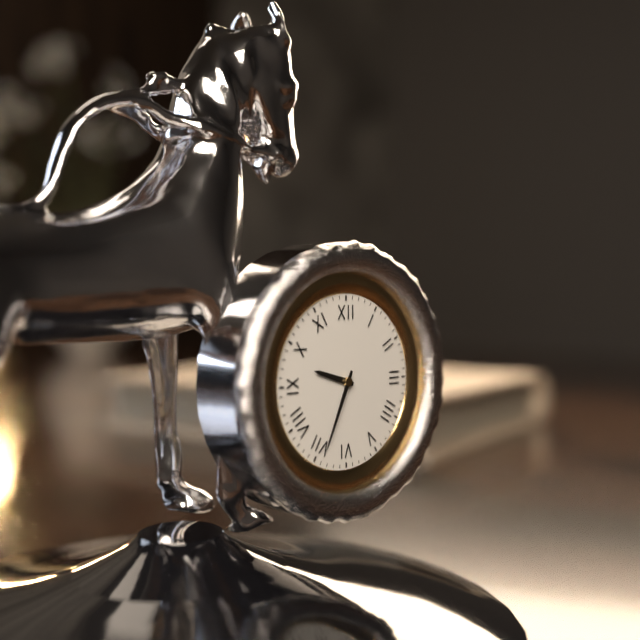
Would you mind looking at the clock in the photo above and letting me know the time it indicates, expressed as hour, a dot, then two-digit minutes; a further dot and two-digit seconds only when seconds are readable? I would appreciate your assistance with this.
9.34
